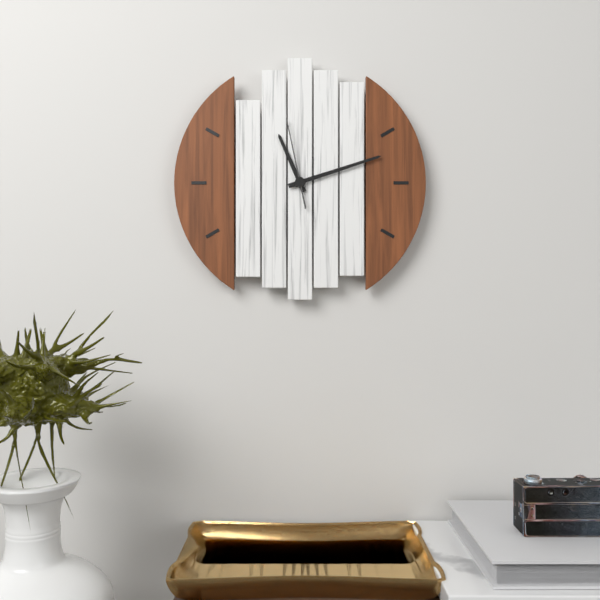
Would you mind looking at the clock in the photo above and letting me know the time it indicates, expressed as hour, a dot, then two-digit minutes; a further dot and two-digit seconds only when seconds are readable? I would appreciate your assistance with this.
11.12.58
